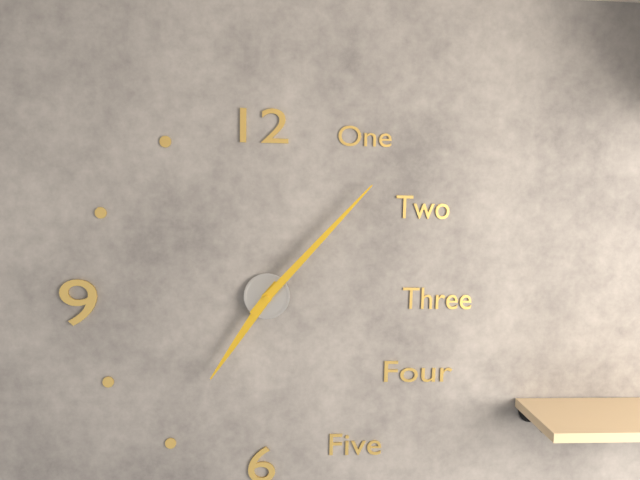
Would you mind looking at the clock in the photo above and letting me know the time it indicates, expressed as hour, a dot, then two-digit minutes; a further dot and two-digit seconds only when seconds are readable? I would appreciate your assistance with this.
7.07
